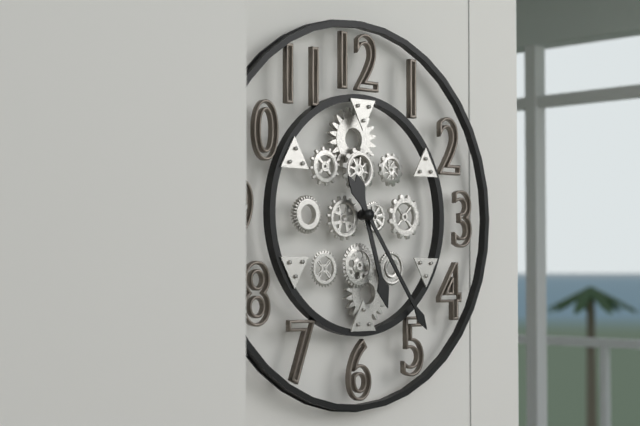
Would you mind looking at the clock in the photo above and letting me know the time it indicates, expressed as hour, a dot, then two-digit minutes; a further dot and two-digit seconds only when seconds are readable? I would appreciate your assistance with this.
5.24
